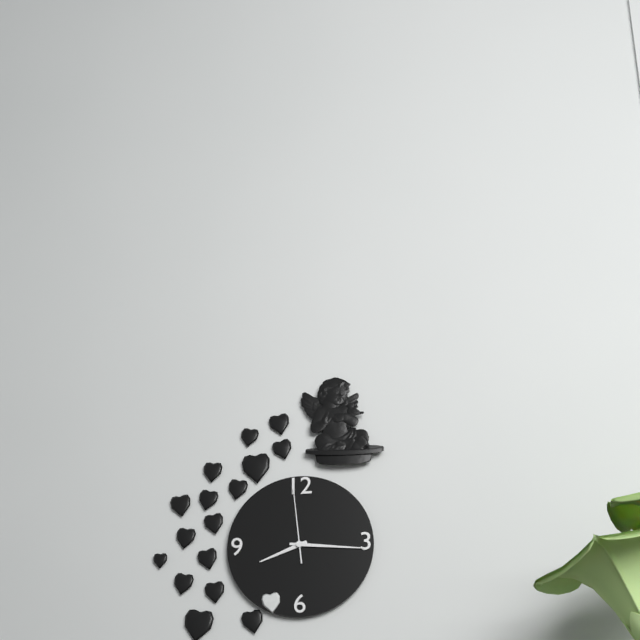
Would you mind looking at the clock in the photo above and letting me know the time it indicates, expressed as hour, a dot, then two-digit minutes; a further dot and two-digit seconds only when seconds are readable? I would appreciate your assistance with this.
8.16.59
